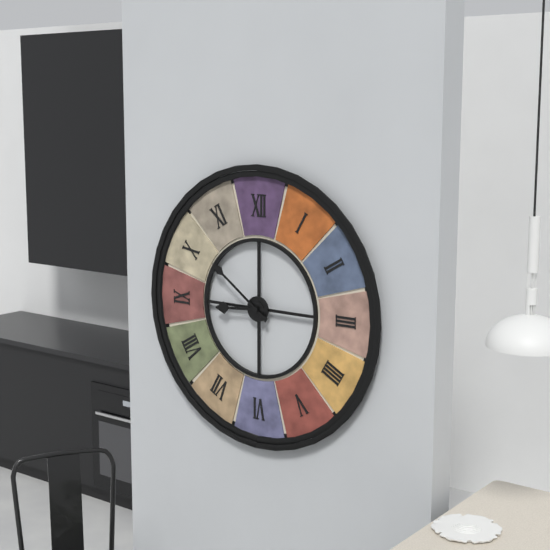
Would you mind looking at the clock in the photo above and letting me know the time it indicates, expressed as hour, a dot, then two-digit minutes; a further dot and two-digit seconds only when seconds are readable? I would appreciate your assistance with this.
8.51
